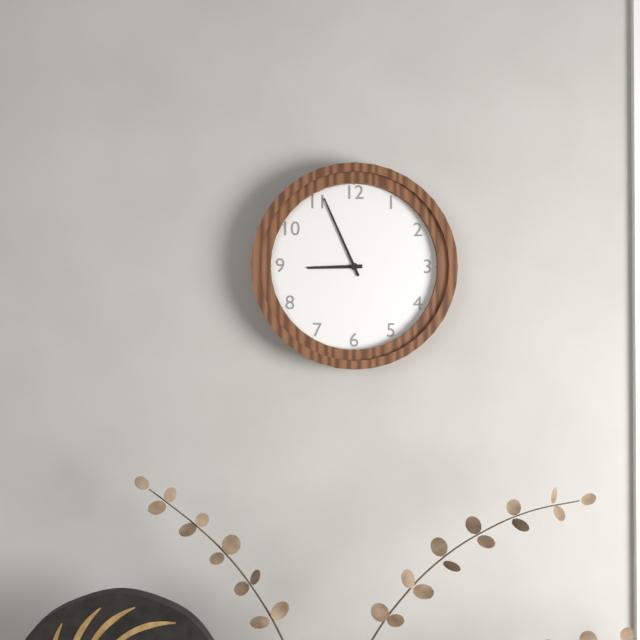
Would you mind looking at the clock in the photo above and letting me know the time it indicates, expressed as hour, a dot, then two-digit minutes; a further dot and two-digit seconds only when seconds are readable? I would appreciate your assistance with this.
8.56
